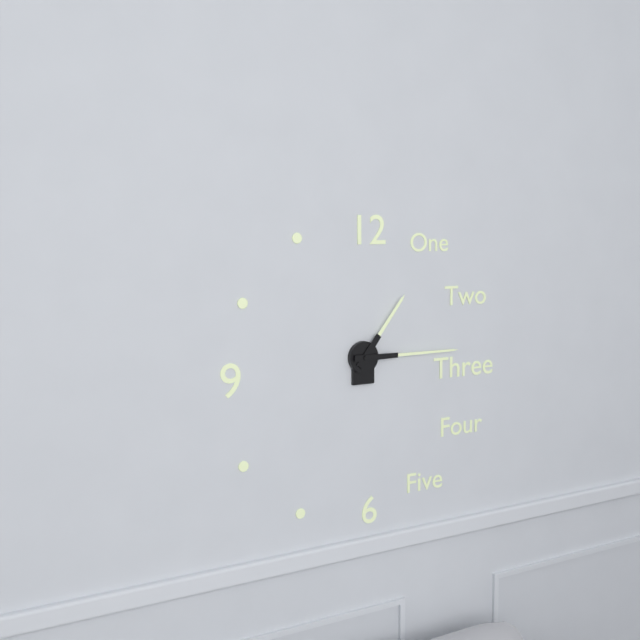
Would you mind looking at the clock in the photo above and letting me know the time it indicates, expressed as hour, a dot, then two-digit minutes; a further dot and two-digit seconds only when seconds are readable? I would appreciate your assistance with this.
1.15
